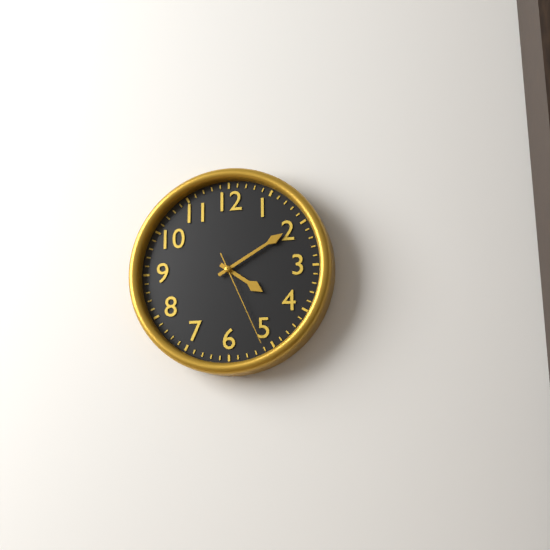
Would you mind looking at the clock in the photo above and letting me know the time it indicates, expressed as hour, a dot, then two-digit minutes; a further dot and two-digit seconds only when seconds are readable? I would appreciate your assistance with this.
4.10.26
